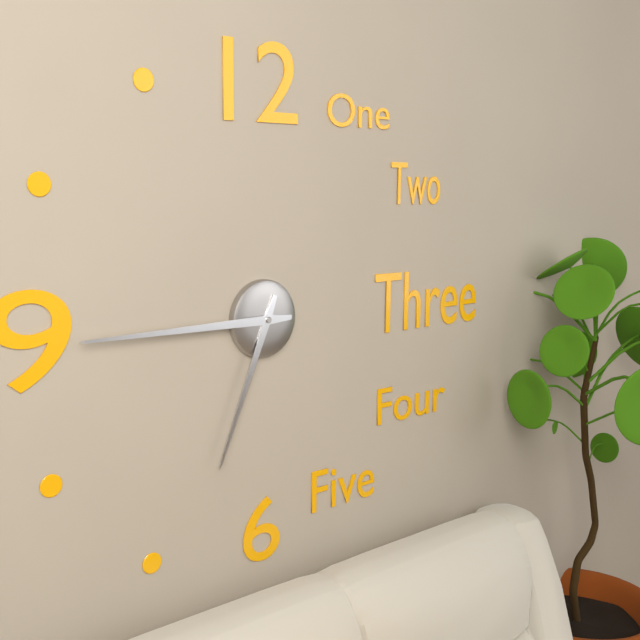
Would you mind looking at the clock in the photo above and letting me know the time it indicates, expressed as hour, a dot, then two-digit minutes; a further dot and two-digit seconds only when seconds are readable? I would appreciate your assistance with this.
6.45
